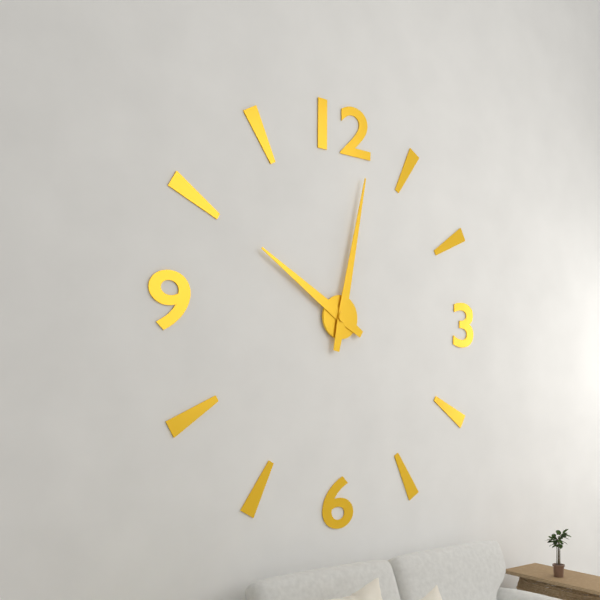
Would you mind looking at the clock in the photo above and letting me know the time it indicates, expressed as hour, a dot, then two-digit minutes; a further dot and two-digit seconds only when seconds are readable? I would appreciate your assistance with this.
10.02
